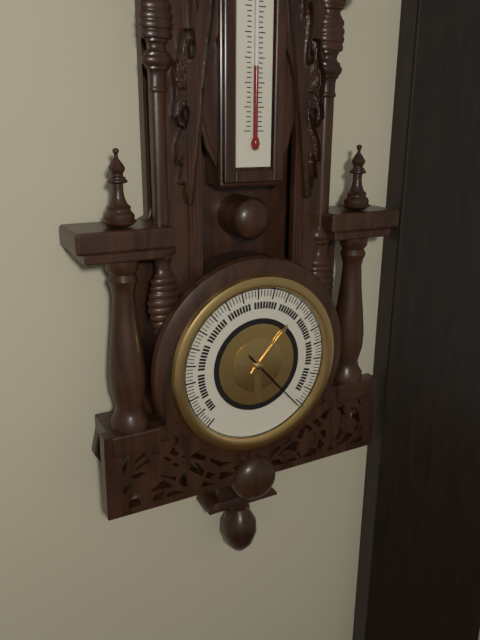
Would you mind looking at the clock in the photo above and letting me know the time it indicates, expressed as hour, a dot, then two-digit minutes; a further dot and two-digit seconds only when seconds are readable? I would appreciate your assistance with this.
1.23
